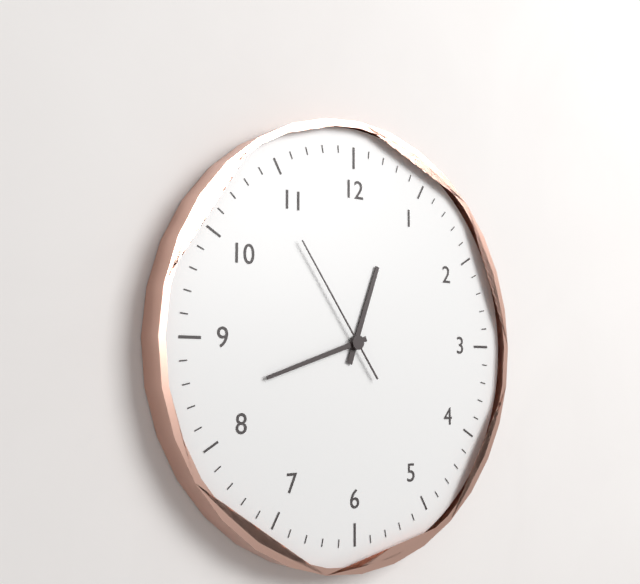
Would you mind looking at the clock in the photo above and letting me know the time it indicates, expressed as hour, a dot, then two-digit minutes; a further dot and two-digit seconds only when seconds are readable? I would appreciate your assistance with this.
12.42.54
